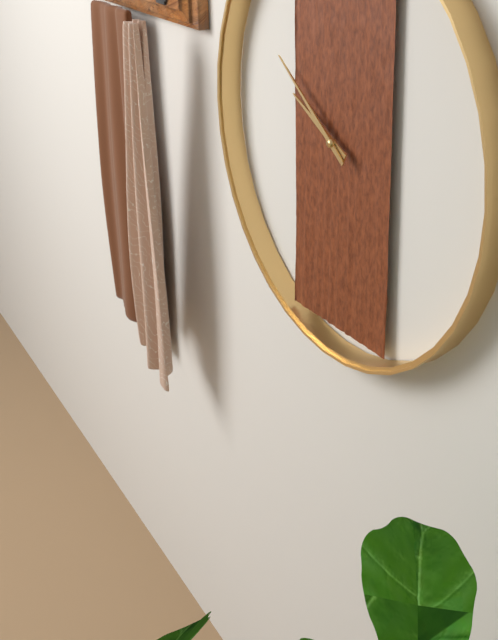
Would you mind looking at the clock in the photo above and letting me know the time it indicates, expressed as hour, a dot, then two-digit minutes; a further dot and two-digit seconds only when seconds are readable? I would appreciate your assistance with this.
9.51
